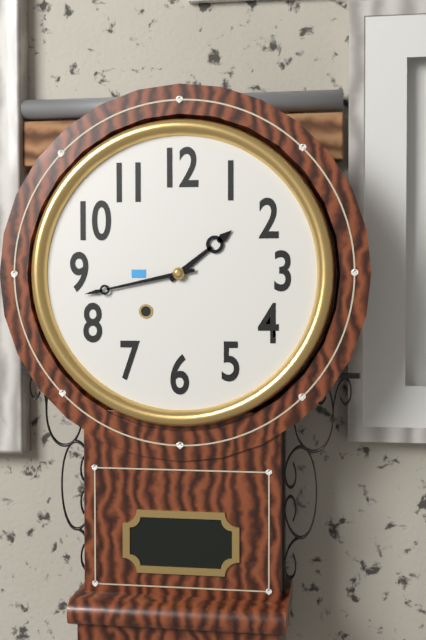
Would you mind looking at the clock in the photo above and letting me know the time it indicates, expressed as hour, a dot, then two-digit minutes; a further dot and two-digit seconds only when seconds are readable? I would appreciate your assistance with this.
1.43
